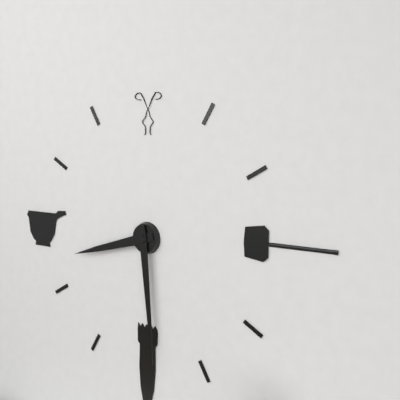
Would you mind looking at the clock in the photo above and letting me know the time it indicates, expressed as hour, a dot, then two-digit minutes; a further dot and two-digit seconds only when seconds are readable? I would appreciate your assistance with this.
8.29
